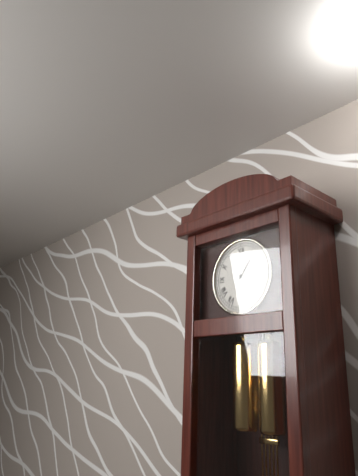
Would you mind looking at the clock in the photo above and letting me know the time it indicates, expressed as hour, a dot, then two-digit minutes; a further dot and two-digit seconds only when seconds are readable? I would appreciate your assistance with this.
1.19
